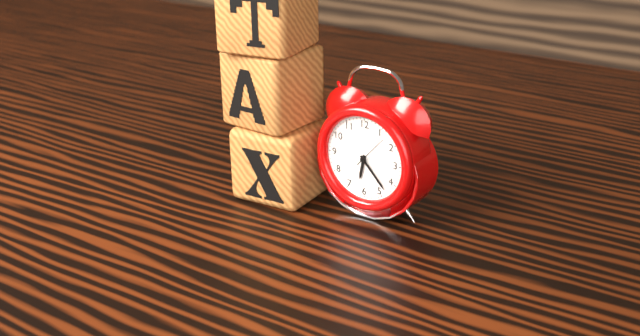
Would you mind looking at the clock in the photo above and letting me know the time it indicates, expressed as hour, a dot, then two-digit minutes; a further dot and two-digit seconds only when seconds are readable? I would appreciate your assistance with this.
6.23
